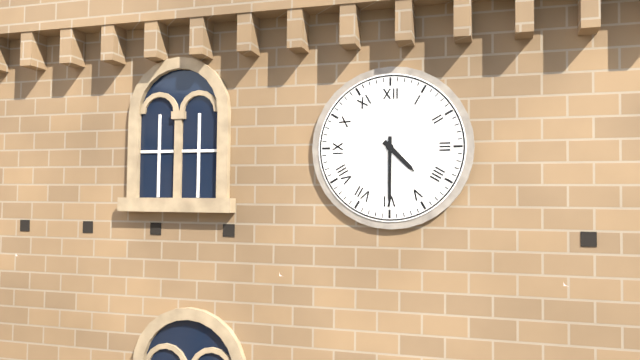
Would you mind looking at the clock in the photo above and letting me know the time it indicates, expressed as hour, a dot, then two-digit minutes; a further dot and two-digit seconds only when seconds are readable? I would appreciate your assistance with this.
4.30
